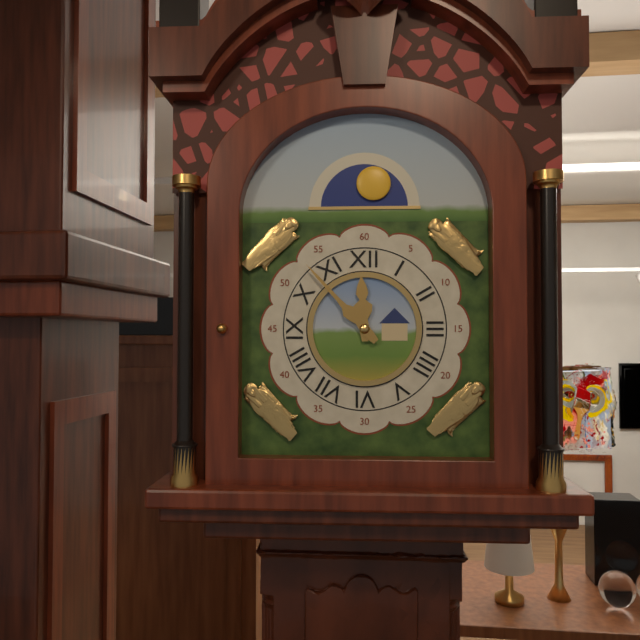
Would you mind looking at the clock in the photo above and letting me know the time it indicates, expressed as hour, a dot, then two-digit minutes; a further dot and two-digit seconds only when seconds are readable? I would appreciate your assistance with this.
11.53
